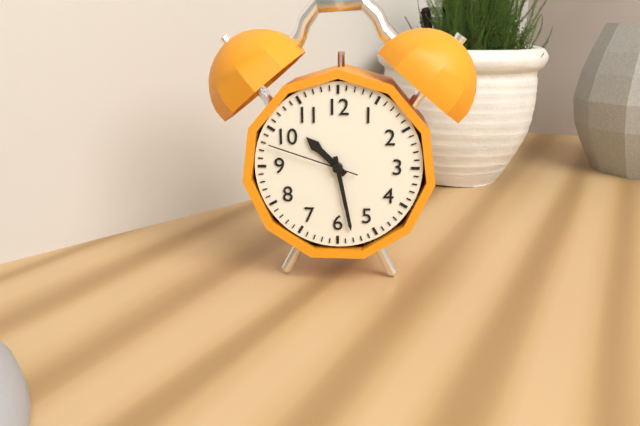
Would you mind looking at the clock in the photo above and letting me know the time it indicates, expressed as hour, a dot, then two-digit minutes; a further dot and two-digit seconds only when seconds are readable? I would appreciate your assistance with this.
10.28.48
